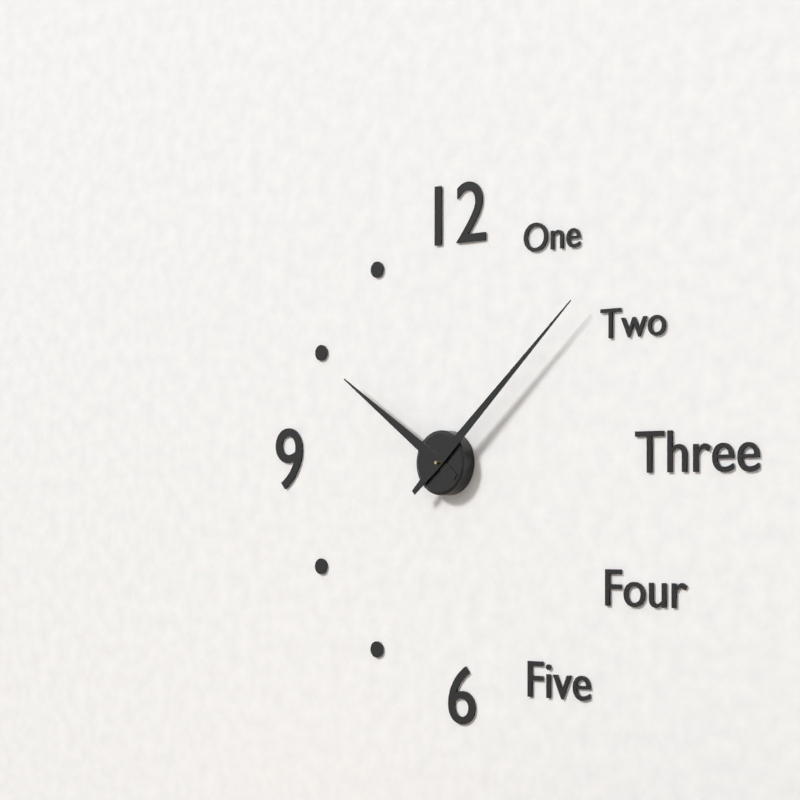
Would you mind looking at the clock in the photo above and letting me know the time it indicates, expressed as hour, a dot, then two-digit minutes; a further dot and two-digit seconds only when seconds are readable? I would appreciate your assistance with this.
10.08
